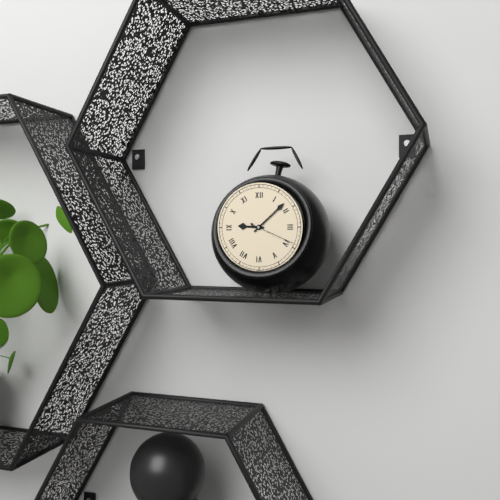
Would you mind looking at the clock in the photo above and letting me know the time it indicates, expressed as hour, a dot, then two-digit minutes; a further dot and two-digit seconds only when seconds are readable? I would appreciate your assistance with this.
9.08
